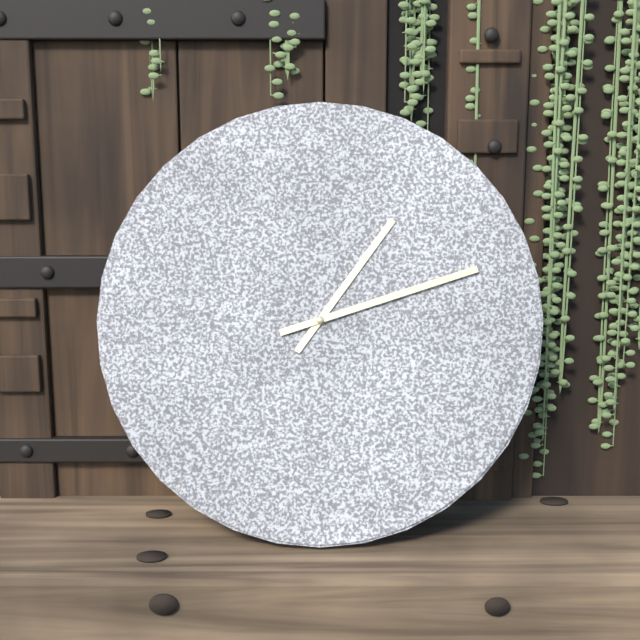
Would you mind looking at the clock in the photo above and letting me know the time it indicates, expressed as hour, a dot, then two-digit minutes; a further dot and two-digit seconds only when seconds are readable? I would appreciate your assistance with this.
1.12
